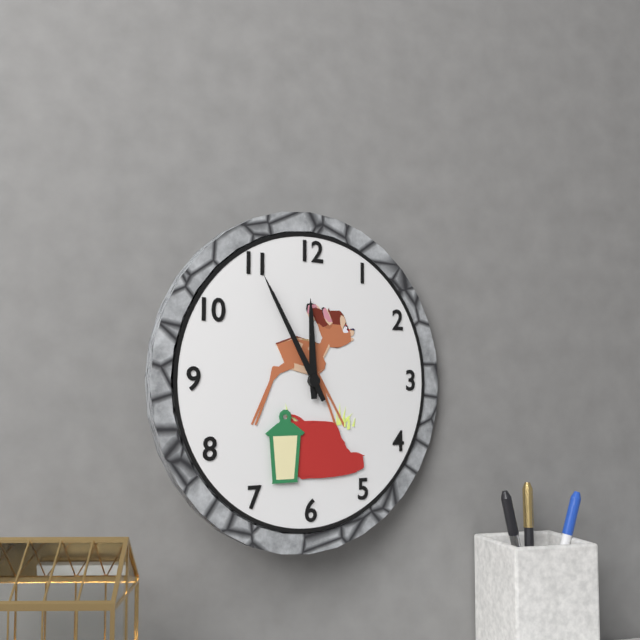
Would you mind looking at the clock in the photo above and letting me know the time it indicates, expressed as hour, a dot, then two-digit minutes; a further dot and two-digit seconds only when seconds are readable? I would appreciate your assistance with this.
11.55
